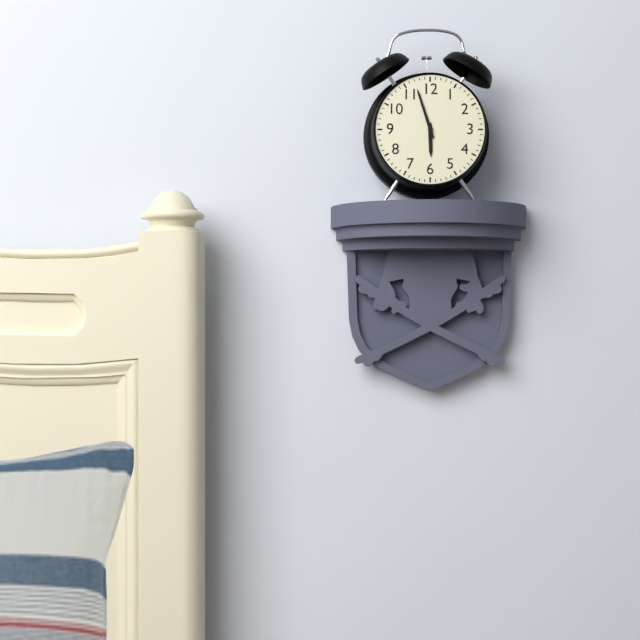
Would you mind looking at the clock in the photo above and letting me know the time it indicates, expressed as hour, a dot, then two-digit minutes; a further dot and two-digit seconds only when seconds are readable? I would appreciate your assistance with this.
5.57
